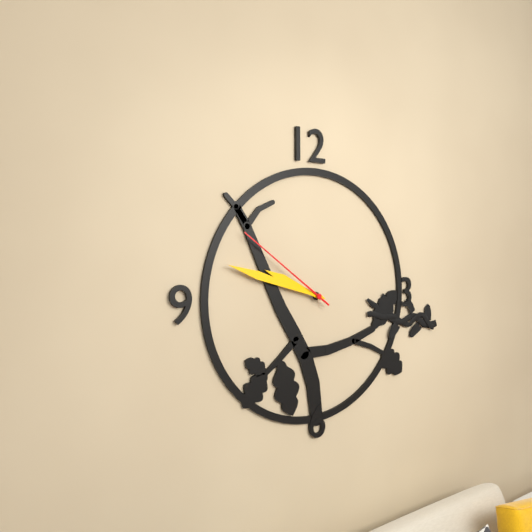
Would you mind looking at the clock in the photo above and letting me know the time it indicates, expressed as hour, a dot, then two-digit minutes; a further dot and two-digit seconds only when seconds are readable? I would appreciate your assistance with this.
9.48.51
